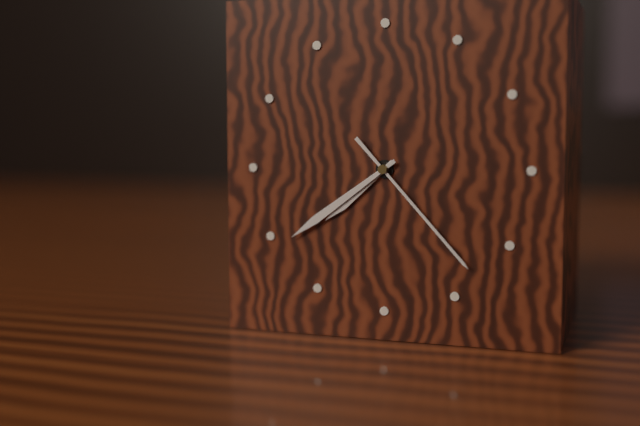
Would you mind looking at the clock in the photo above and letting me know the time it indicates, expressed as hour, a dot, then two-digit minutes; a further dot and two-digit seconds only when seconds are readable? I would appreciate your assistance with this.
7.39.23
